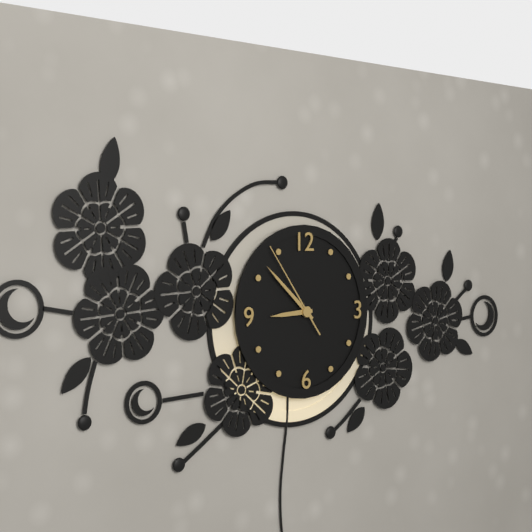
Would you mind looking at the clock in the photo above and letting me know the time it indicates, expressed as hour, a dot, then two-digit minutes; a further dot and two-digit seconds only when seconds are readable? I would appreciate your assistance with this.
8.52.54
